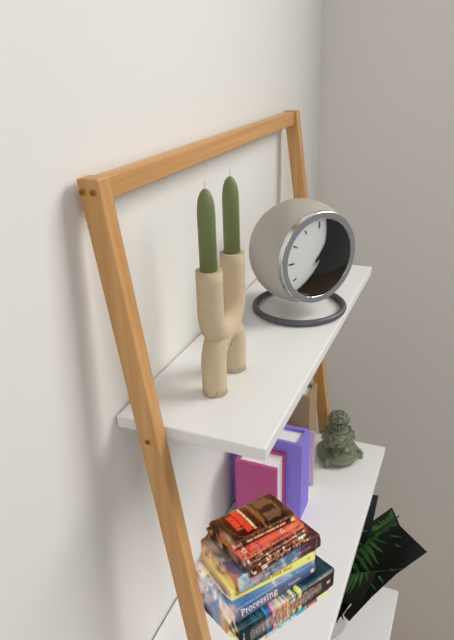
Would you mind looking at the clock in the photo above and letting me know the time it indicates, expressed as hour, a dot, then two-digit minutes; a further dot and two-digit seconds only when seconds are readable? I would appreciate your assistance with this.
1.09
